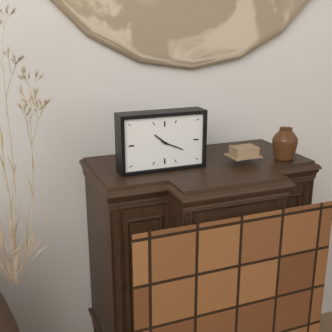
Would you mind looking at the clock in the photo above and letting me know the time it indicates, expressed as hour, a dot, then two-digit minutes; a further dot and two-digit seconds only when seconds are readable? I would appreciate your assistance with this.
10.19
